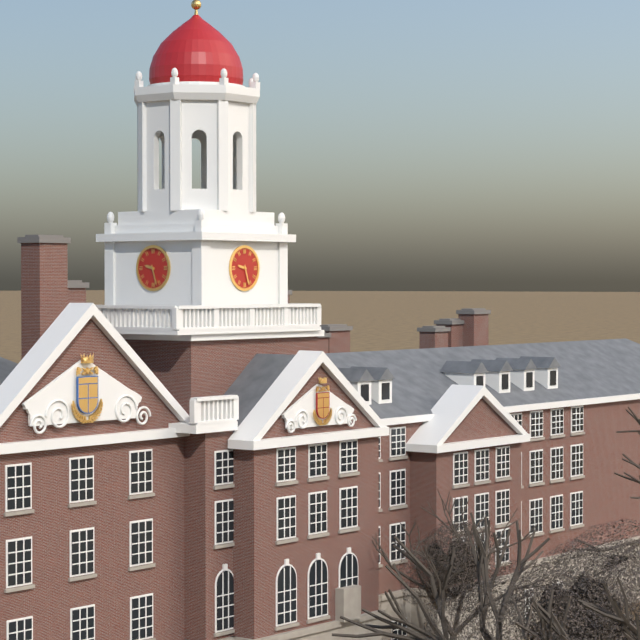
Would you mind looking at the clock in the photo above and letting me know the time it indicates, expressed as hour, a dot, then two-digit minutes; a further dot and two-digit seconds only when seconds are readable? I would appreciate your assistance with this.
9.27
